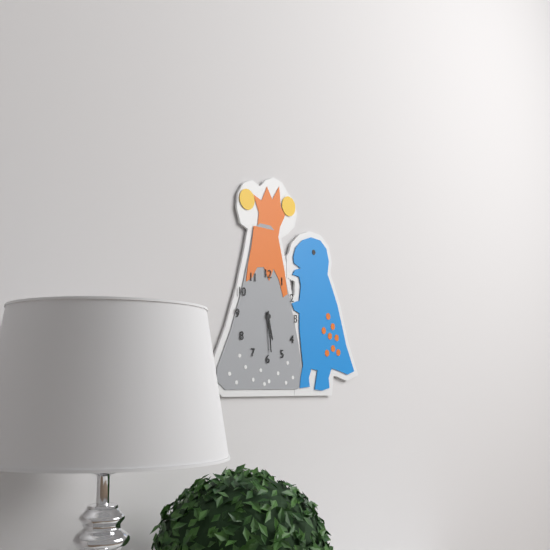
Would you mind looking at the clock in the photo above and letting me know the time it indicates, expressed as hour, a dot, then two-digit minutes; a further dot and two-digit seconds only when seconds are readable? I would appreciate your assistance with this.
5.29
